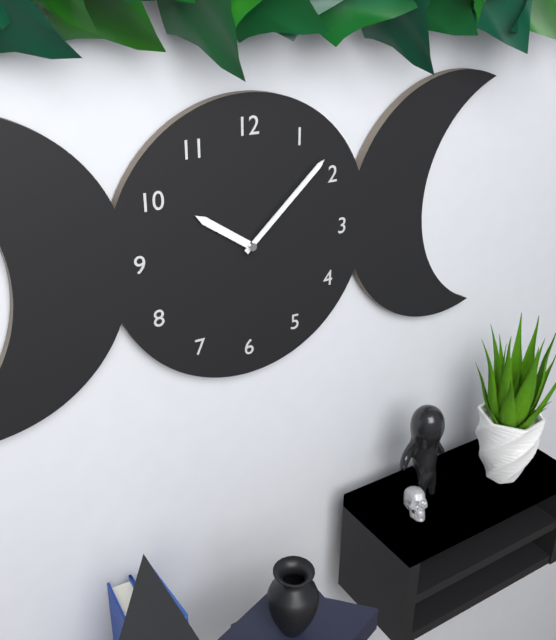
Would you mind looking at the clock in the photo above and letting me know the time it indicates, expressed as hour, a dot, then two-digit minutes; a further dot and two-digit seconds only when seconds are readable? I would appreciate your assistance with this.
10.08
